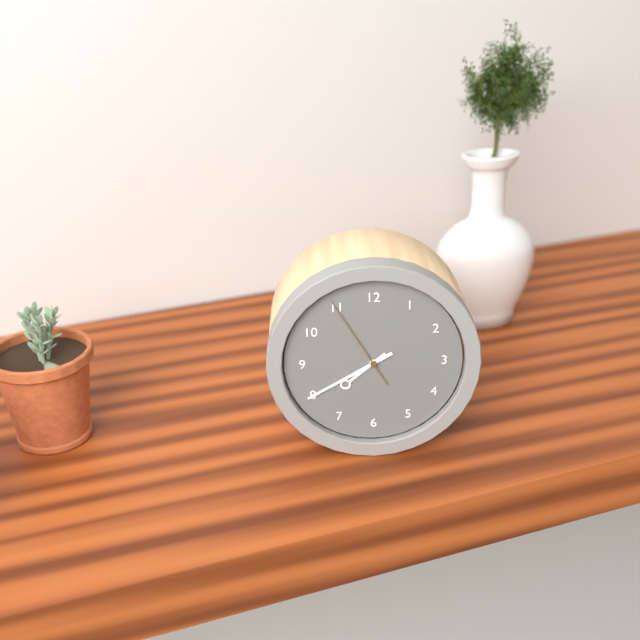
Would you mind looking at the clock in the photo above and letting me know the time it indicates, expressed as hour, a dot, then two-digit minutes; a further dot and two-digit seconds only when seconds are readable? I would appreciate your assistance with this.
7.40.55
